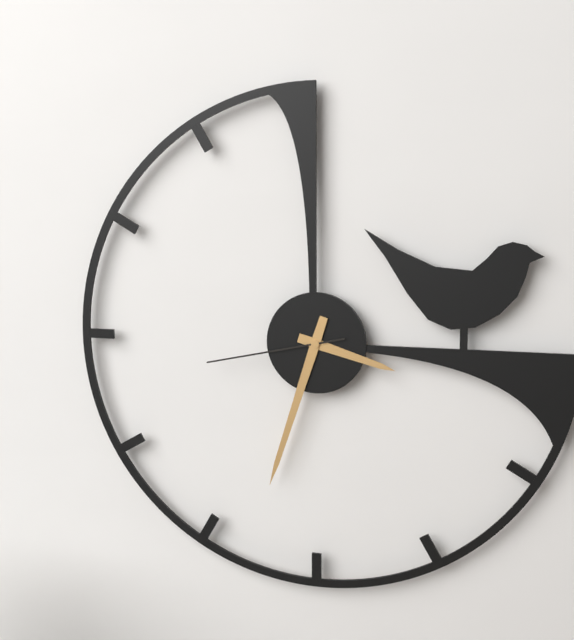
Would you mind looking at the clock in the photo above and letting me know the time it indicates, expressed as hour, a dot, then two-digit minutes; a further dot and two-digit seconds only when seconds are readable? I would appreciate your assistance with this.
3.33.43
